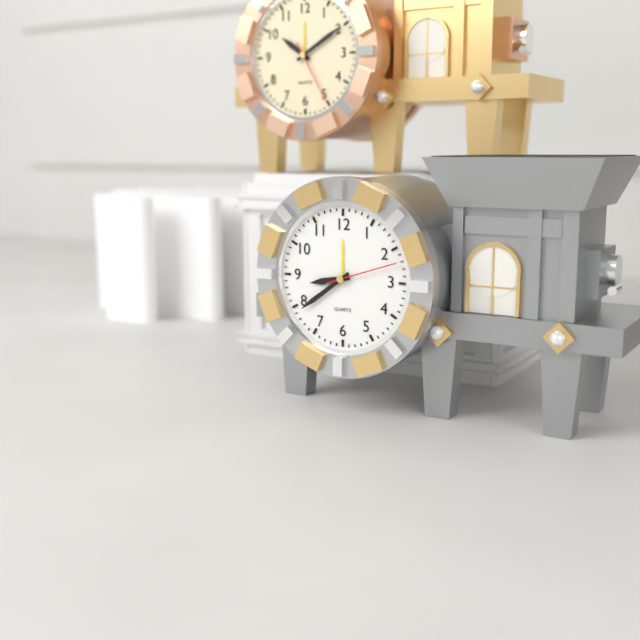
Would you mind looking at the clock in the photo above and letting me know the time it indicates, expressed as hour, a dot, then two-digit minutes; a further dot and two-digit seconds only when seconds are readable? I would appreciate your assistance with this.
8.39.12
